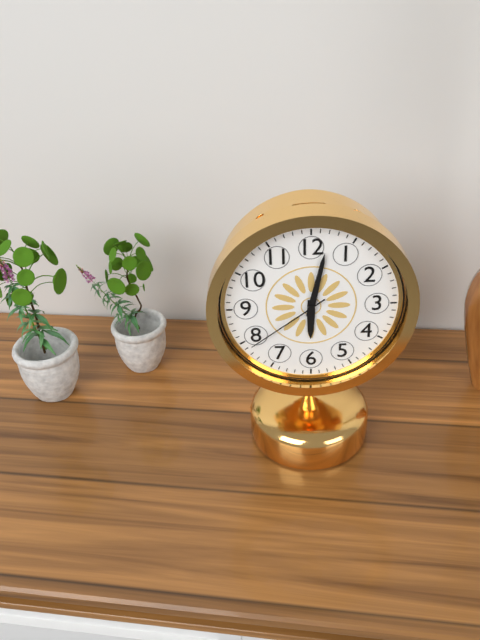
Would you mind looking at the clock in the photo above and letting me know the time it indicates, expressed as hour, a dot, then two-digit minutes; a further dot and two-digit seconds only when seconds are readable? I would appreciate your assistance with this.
6.02.39
